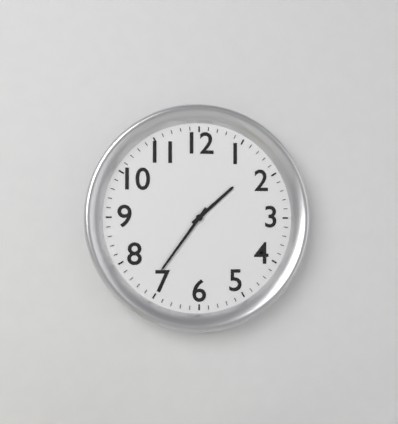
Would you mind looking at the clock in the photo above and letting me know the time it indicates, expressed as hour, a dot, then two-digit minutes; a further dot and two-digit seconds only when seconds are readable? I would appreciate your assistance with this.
1.36
